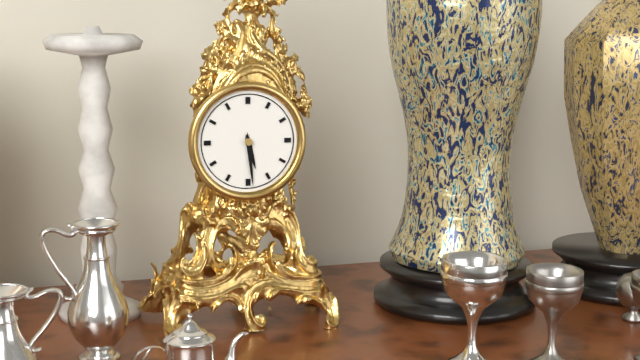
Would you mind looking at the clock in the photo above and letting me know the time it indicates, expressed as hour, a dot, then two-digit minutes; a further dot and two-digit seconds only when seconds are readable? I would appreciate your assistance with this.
5.29
